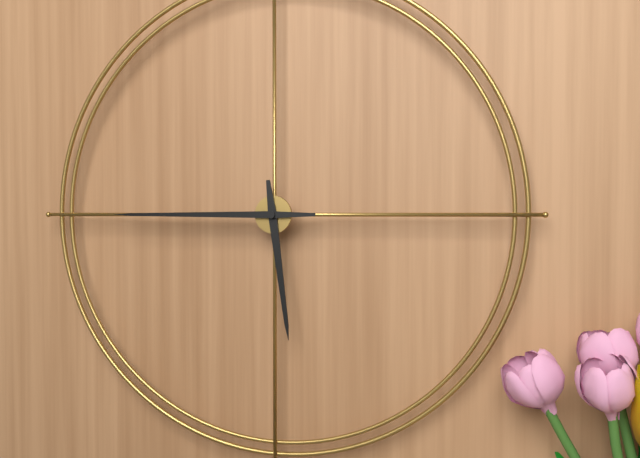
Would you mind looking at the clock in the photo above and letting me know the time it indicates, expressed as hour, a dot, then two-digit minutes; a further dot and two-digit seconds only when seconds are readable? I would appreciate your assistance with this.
5.45
